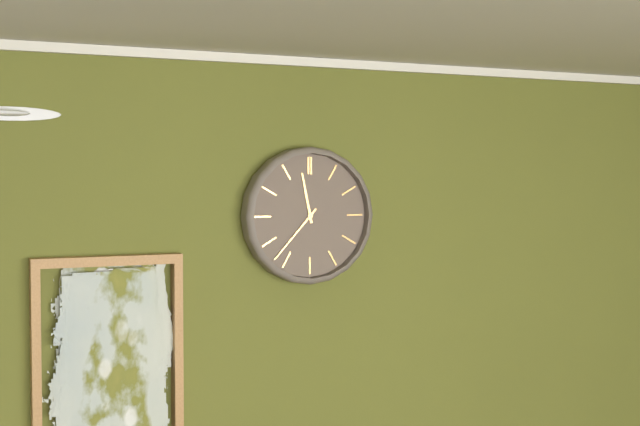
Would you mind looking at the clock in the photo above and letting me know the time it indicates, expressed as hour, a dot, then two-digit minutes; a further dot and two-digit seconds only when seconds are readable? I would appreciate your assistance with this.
11.37
